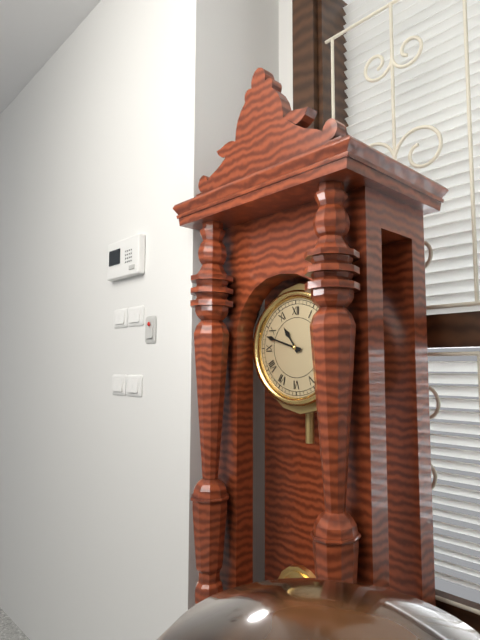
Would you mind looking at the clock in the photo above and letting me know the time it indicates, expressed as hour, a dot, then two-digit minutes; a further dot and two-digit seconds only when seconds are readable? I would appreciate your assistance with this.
10.48
